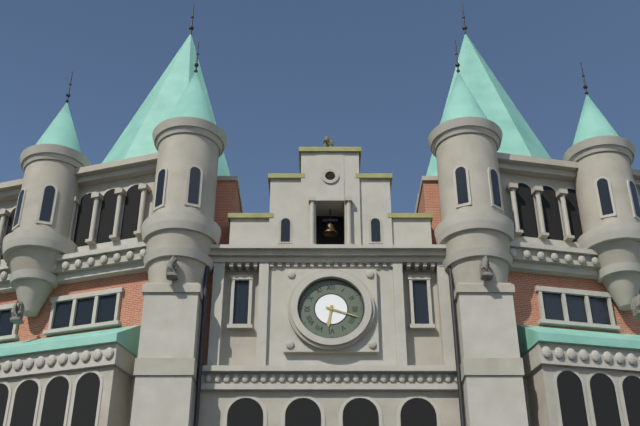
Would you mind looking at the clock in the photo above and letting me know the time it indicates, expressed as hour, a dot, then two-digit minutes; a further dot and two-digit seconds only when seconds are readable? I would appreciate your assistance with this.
6.18
